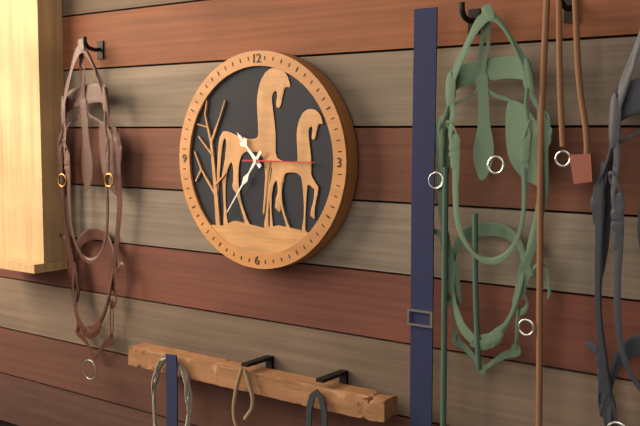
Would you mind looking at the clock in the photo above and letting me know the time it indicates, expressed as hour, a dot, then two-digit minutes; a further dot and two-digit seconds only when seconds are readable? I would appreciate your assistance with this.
10.36.15
